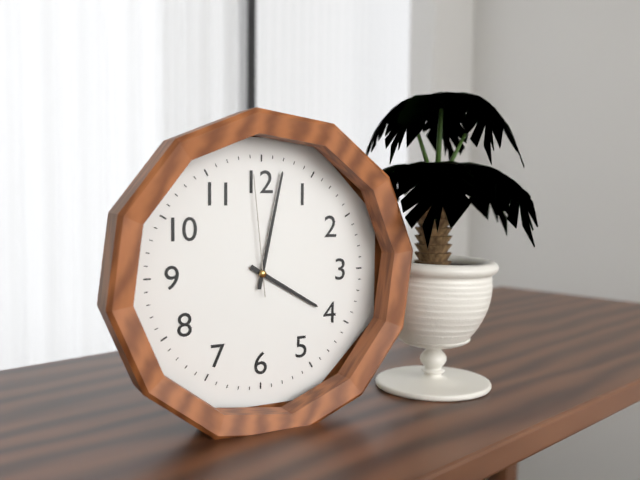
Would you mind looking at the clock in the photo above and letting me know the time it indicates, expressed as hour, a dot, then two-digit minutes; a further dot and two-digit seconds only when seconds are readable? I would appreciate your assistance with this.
4.02.59
